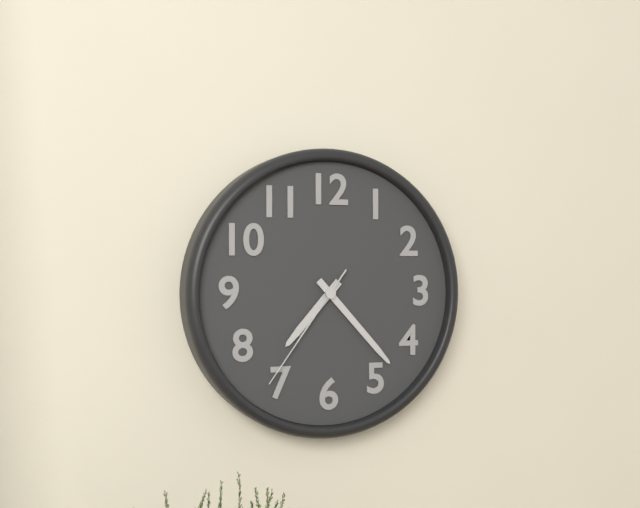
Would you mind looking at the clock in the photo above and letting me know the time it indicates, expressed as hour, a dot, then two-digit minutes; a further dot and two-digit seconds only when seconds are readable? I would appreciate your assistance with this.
7.23.36
